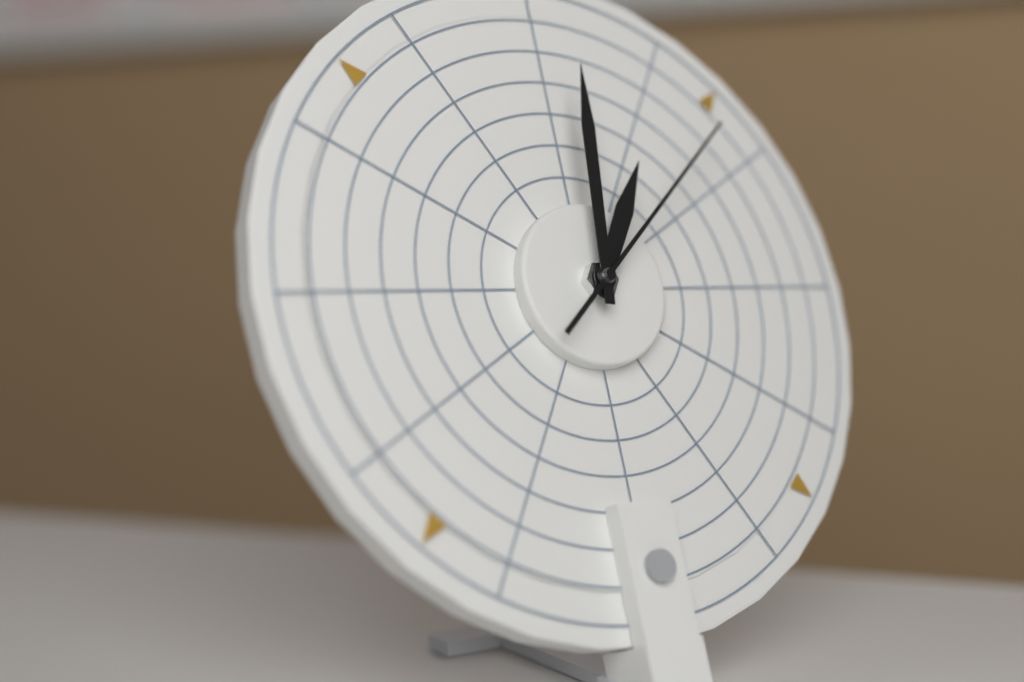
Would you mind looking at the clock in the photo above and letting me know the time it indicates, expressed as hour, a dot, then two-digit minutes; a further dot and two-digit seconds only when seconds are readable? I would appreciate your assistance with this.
1.01.08
